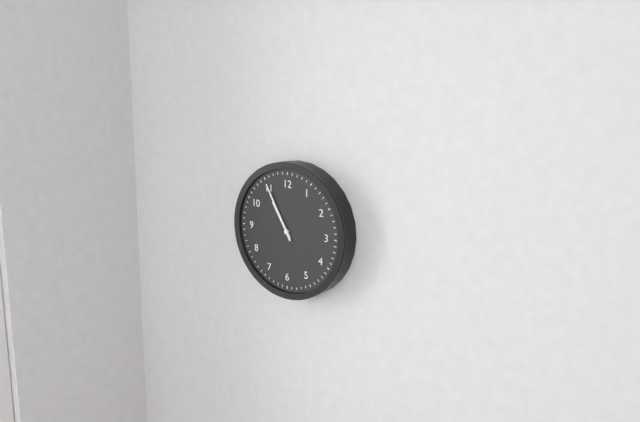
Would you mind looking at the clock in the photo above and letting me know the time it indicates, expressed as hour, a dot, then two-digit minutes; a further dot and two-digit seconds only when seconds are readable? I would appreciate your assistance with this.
10.55
